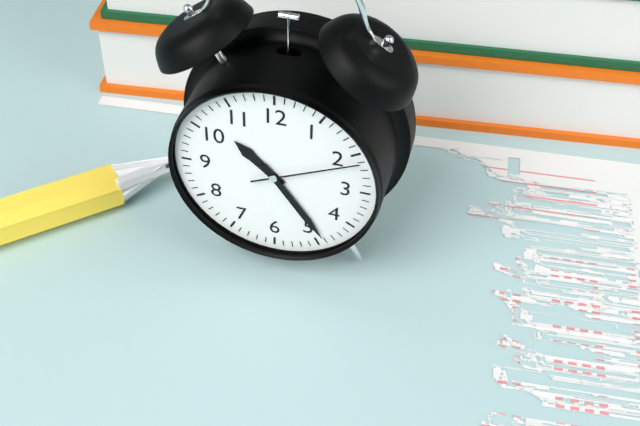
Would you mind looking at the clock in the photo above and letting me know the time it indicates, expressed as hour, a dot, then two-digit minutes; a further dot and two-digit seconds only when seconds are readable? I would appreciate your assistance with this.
10.24.11
